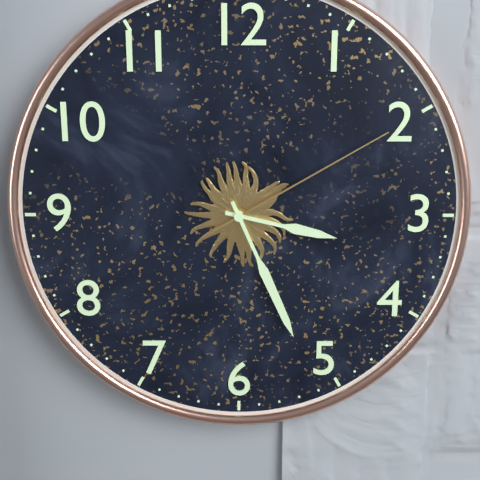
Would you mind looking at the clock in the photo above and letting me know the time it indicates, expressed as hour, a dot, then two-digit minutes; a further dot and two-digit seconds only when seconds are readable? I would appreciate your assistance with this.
3.26.10
